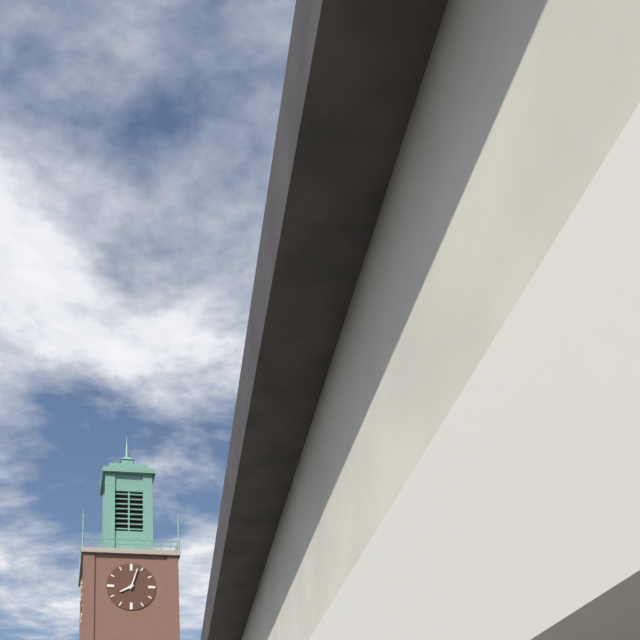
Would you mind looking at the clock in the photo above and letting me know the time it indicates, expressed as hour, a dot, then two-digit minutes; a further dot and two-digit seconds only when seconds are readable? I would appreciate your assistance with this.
8.03
